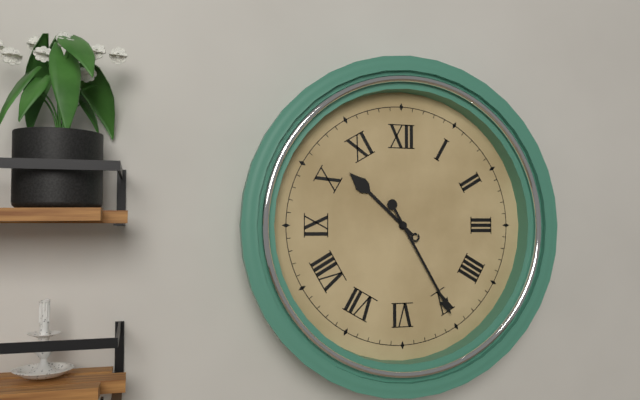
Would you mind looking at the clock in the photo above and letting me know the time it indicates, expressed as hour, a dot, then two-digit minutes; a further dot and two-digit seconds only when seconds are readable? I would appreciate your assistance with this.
10.25
